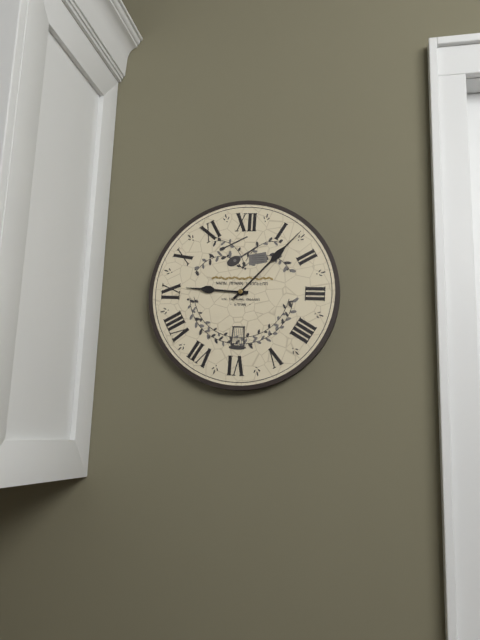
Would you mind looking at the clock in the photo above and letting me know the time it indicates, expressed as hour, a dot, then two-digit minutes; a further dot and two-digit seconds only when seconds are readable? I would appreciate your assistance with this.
9.07
